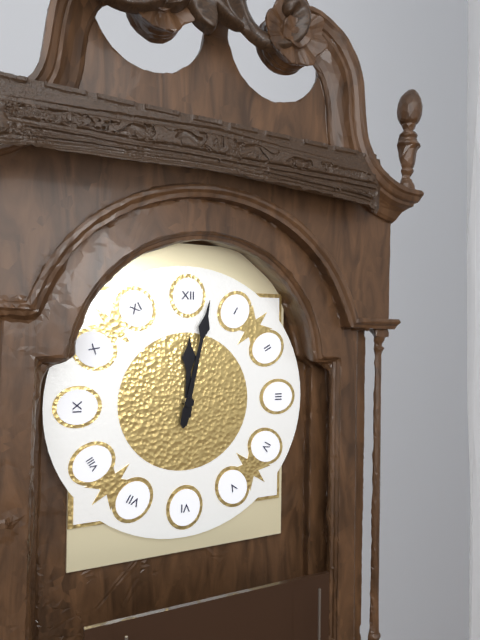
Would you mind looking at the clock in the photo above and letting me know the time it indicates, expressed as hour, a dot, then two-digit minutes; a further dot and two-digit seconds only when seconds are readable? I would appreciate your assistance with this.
12.02
